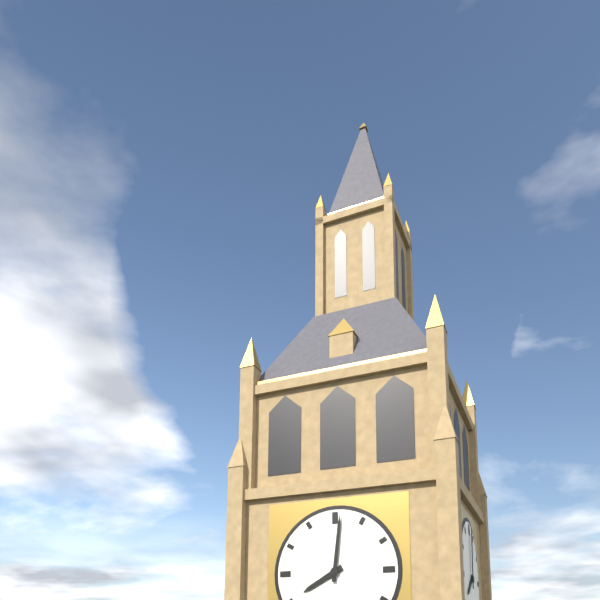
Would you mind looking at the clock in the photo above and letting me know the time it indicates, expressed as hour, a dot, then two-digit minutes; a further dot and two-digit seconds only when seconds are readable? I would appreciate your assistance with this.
8.01
